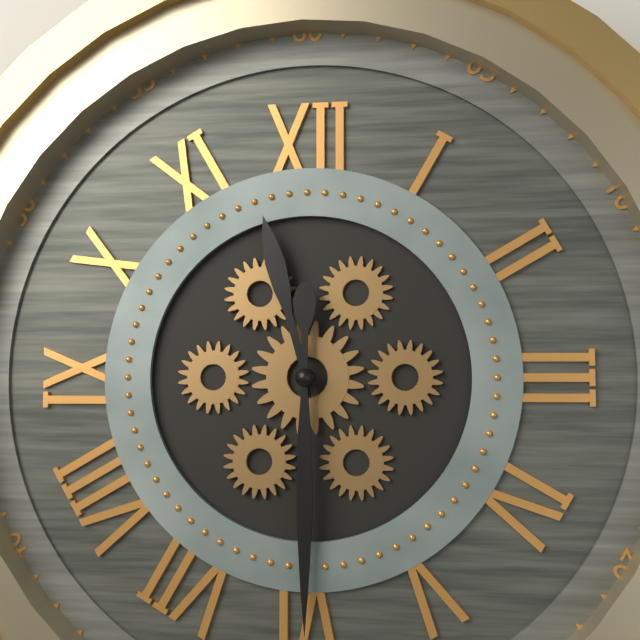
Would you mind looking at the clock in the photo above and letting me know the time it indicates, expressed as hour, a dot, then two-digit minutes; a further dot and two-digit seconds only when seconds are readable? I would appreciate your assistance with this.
11.30
